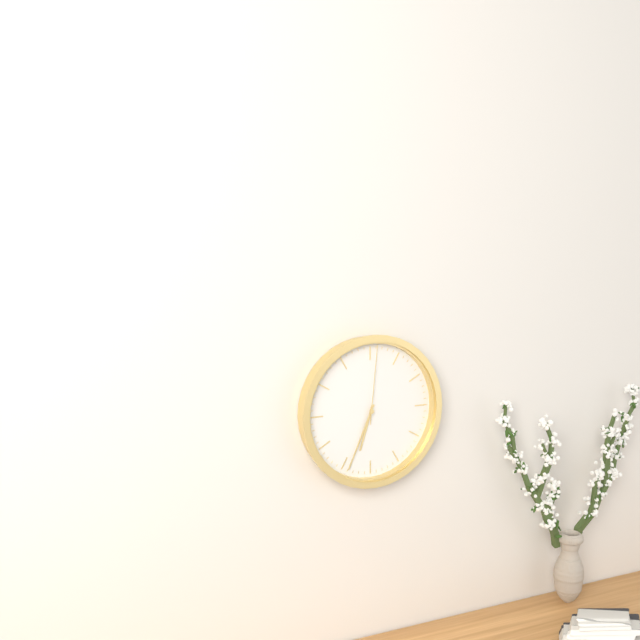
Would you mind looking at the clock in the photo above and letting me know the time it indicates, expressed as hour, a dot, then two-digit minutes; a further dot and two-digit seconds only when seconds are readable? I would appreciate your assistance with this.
6.34.01
